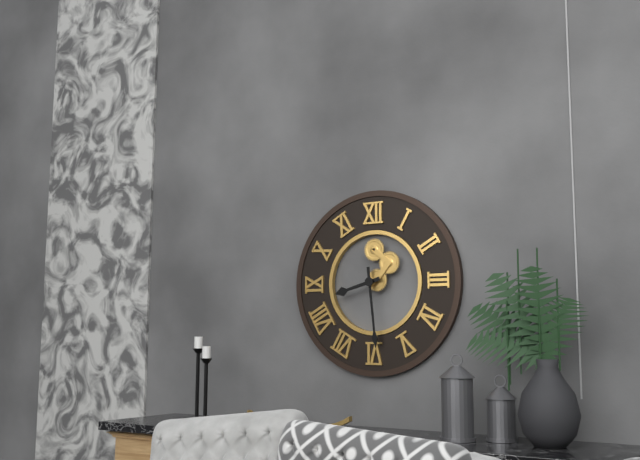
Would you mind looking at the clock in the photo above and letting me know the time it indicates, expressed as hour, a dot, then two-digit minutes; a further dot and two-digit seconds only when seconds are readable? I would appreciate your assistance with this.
8.29
